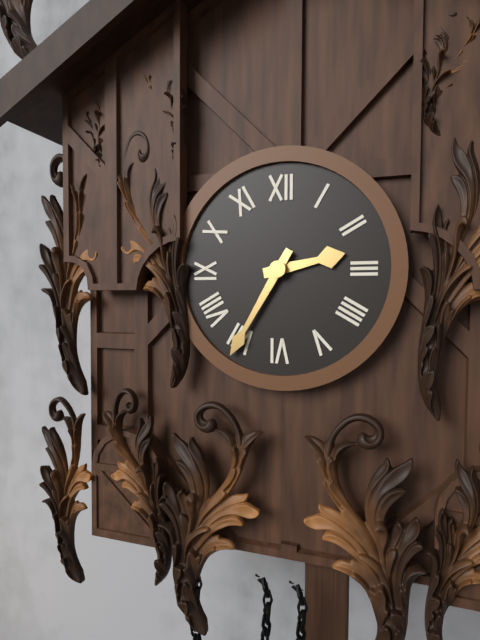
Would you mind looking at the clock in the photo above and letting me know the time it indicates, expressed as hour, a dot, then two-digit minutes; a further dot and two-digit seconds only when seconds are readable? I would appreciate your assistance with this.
2.35
